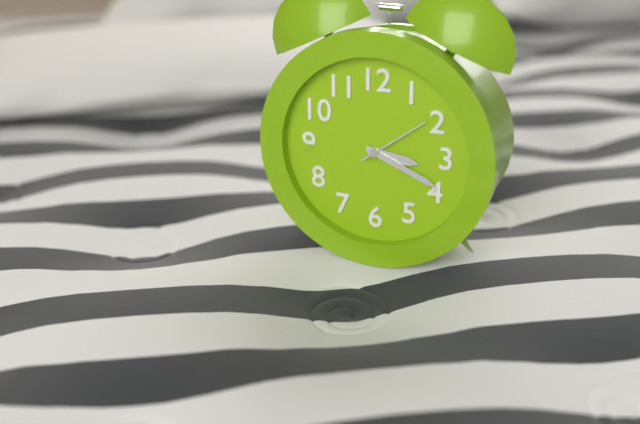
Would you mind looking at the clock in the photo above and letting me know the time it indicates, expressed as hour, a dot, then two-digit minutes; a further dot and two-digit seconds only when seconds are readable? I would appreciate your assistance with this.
3.19.09
